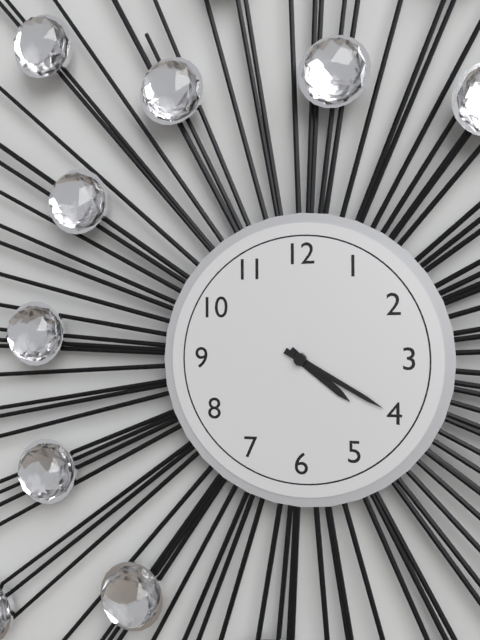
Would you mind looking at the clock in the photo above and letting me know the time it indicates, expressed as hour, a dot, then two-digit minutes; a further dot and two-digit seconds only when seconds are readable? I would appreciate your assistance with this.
4.20
